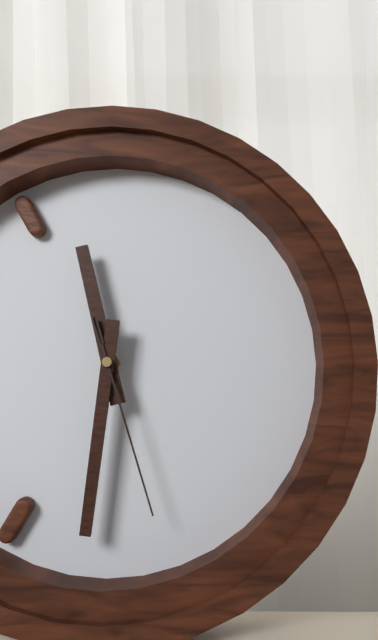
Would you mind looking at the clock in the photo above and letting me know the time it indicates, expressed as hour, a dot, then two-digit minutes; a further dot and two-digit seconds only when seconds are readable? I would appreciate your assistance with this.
11.31.27
